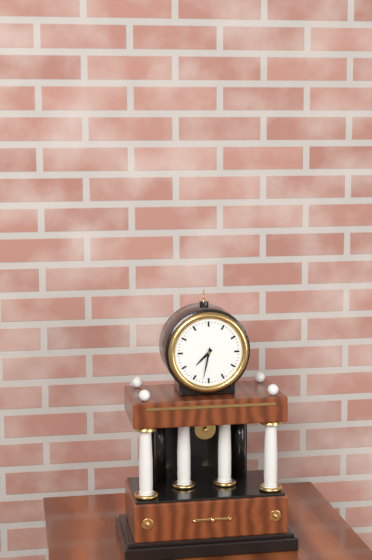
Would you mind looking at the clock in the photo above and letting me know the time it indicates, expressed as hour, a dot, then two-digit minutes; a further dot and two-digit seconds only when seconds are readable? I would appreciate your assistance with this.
7.32
